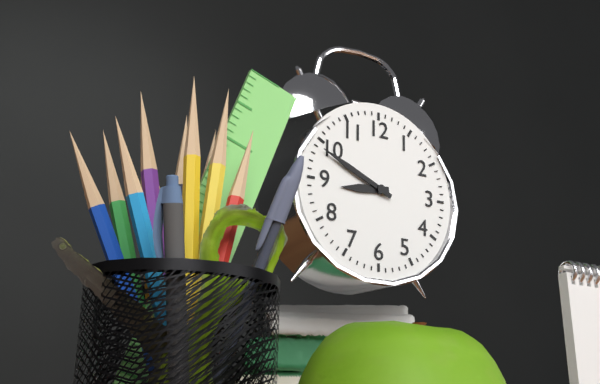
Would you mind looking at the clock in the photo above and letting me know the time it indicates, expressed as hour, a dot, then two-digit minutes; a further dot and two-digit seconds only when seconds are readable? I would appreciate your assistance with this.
8.49
